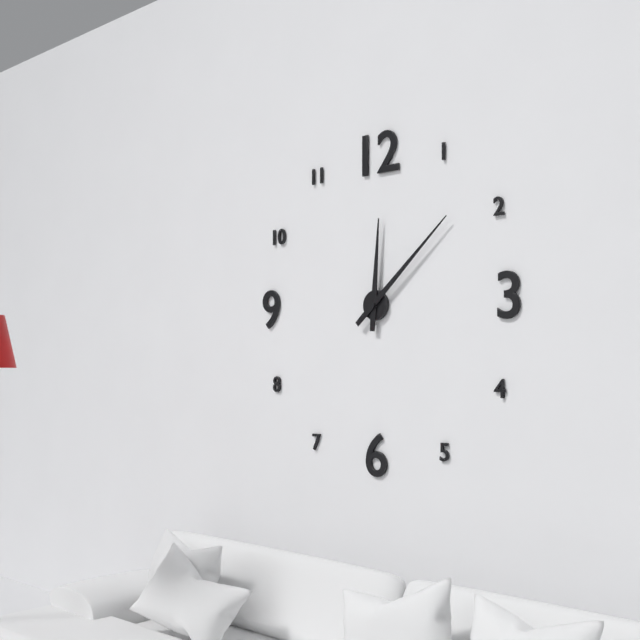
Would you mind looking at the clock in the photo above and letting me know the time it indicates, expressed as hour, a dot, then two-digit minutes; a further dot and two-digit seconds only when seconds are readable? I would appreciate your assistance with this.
12.08
